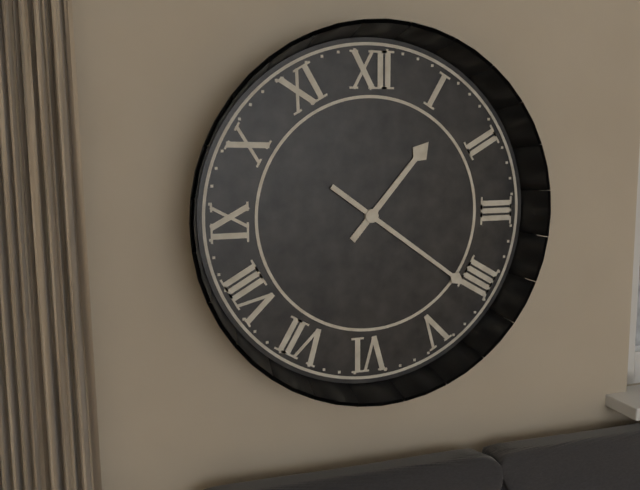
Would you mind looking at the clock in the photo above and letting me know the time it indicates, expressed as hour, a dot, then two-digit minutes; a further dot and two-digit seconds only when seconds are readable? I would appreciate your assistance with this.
1.21
